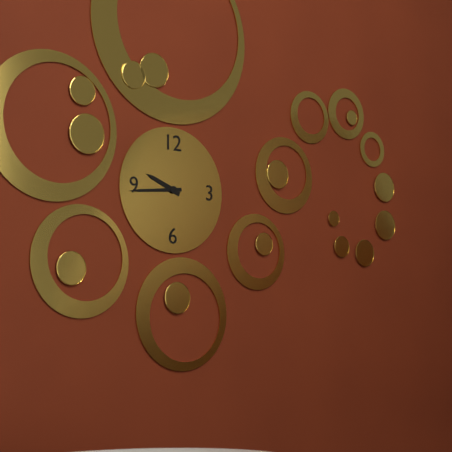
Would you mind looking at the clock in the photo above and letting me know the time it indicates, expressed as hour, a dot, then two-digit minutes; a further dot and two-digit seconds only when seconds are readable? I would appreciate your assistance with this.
9.44
